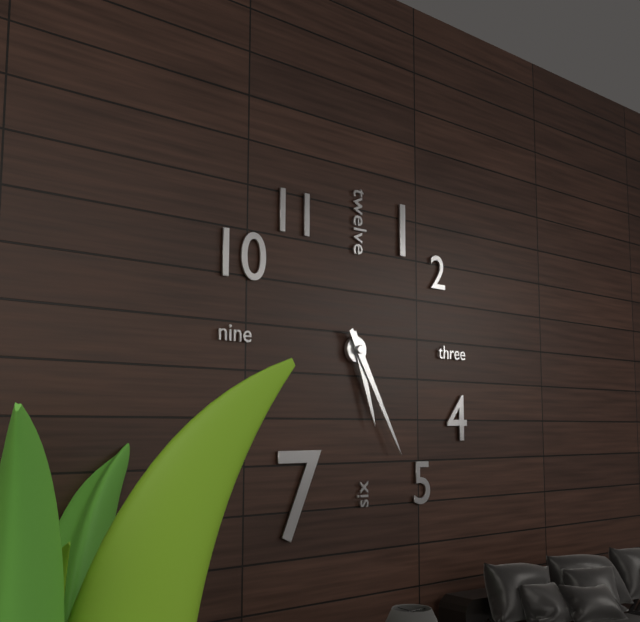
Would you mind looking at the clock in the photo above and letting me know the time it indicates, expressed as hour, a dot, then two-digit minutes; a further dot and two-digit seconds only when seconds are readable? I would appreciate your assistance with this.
5.25
